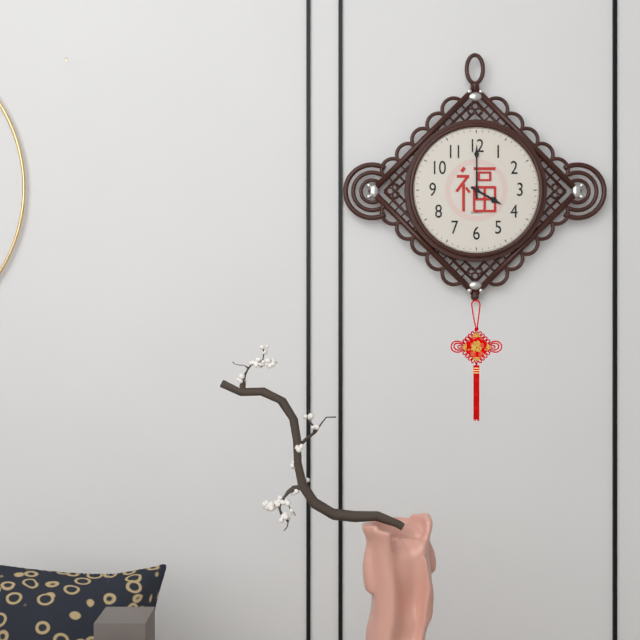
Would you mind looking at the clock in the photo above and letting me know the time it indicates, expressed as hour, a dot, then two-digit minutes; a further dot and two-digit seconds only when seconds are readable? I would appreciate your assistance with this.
4.00
